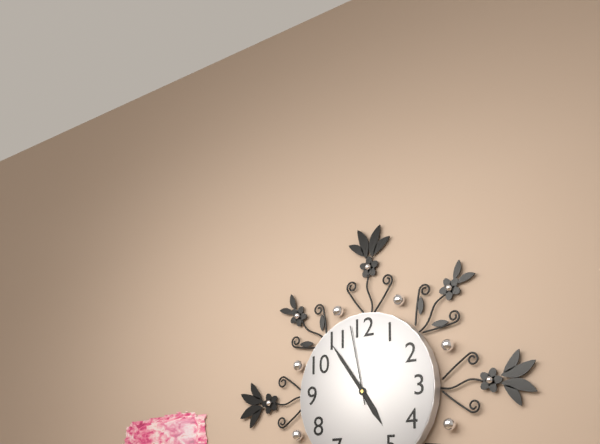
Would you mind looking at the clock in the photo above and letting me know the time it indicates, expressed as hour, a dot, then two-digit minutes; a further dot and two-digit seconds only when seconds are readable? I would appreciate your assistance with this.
4.54.58
